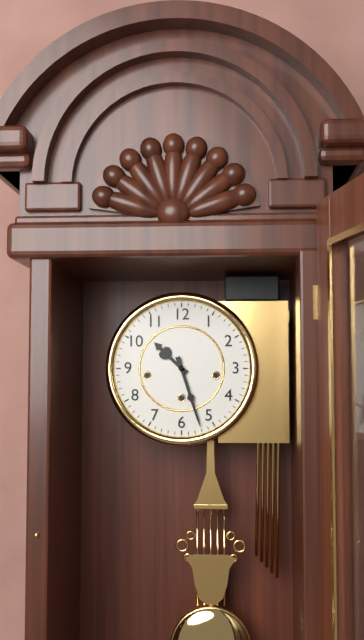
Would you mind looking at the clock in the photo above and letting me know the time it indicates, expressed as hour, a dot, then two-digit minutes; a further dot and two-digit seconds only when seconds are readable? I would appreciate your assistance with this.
10.27
